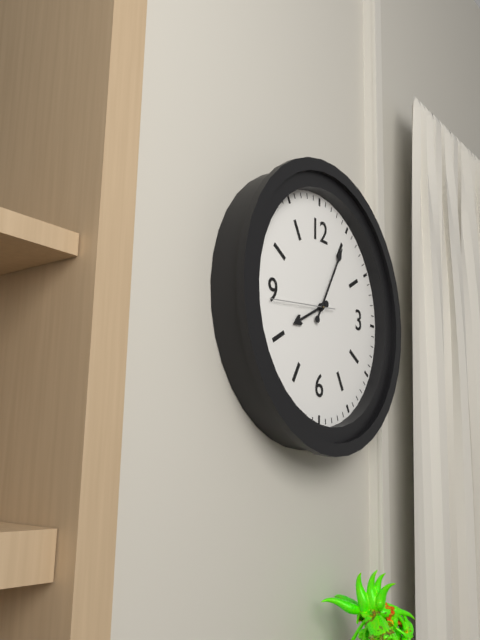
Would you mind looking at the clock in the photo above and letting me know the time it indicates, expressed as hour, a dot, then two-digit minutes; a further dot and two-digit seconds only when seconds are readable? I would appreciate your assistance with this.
8.05.44
